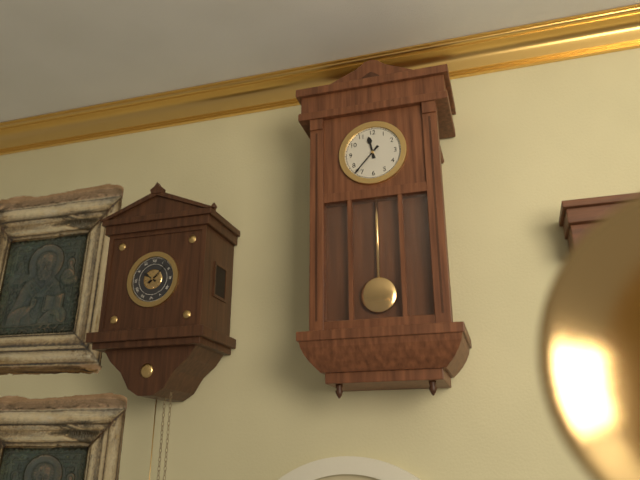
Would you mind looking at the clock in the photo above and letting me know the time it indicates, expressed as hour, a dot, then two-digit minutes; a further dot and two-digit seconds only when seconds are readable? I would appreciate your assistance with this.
11.37
